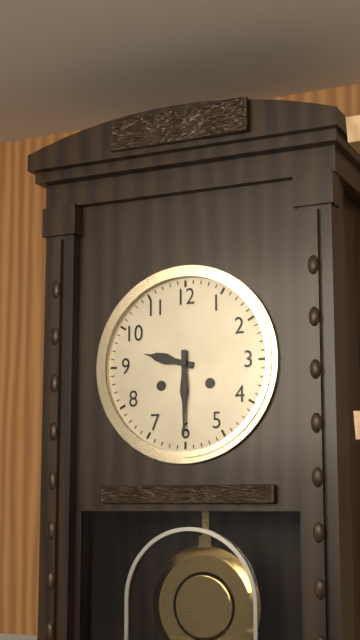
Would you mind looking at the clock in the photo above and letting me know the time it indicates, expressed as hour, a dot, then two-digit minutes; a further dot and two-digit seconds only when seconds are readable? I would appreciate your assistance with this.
9.30
